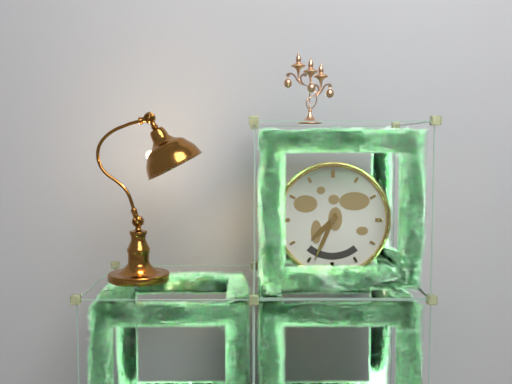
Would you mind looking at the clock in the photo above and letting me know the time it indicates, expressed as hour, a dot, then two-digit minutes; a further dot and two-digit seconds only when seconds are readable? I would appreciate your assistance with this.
7.34
